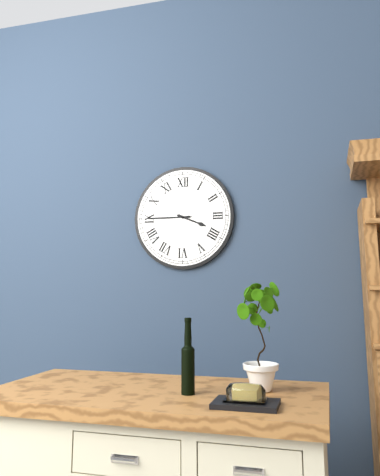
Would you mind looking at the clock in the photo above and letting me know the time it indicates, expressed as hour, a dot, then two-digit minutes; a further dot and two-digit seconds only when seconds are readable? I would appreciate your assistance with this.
3.45
